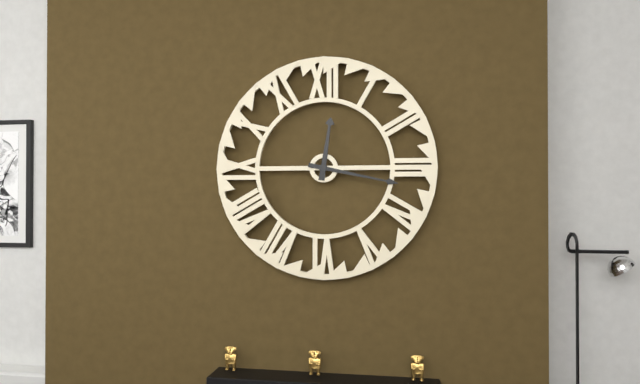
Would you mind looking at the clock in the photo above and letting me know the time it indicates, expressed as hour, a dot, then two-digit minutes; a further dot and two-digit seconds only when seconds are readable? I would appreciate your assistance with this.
12.17
